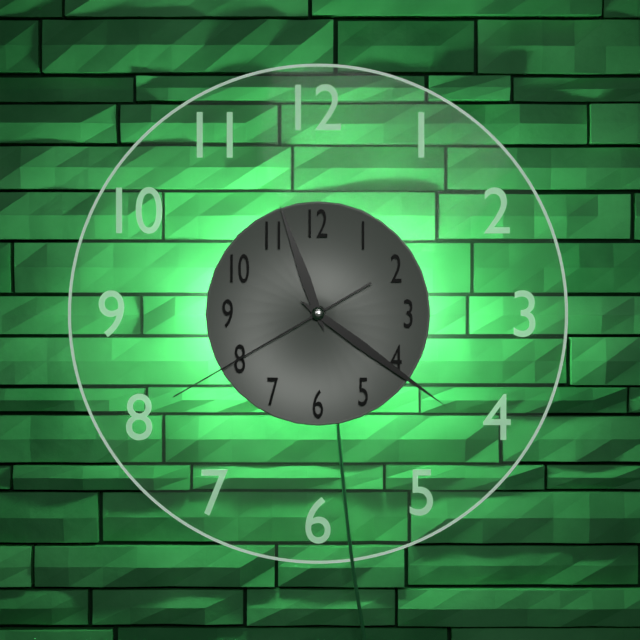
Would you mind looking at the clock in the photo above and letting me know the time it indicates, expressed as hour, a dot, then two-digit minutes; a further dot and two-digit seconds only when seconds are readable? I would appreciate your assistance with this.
11.21.40
